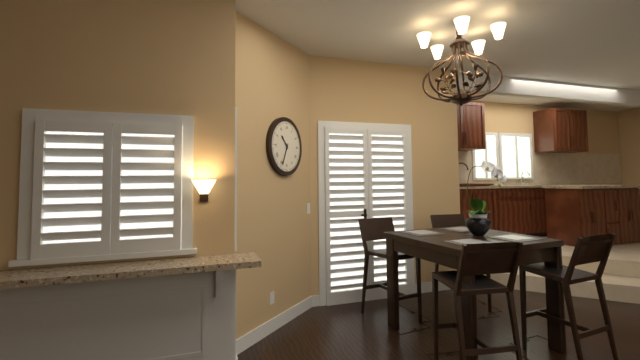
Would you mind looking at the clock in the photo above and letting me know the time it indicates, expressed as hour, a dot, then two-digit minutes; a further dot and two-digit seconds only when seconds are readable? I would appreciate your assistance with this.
10.34
